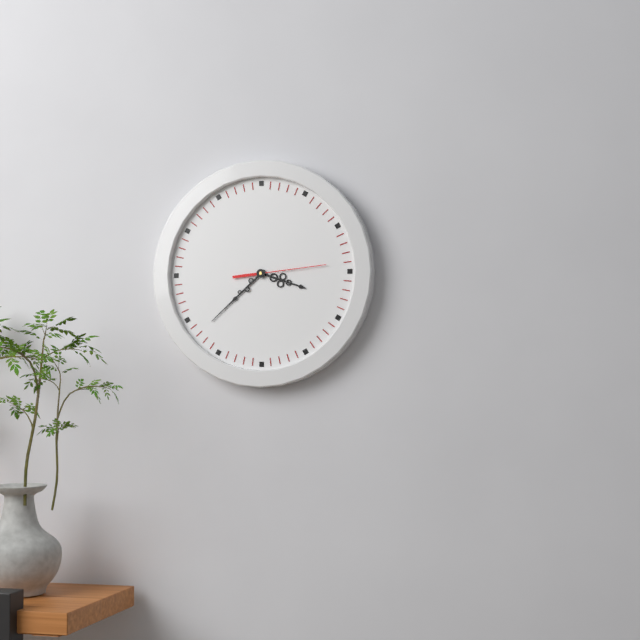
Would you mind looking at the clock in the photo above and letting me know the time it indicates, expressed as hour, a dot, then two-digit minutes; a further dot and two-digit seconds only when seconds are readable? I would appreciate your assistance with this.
3.38.14
